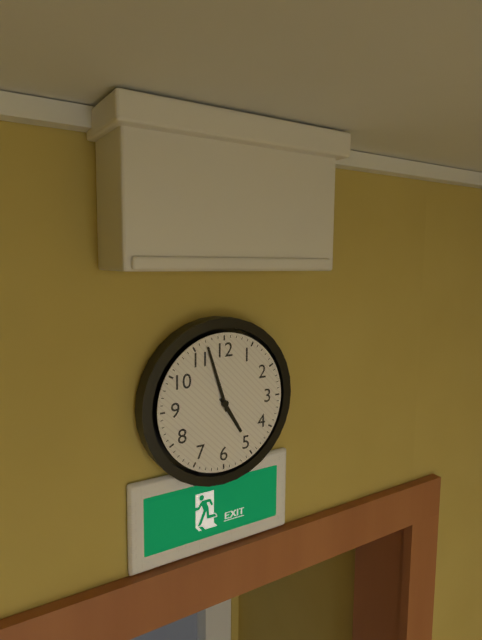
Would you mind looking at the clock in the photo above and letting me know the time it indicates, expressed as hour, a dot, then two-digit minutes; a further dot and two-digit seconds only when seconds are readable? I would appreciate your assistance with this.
4.57
